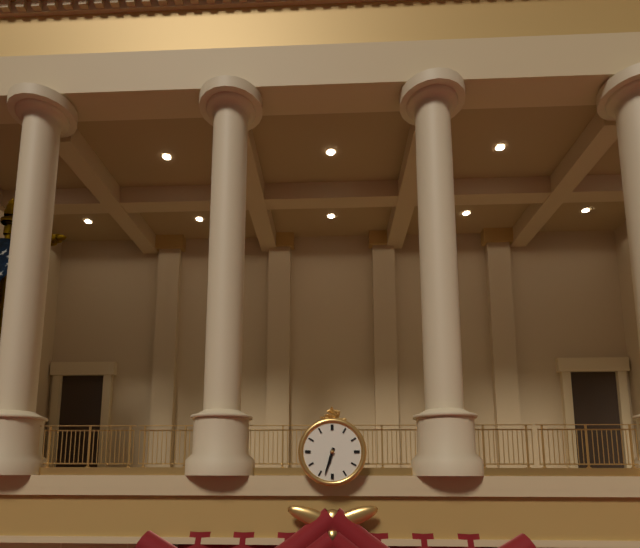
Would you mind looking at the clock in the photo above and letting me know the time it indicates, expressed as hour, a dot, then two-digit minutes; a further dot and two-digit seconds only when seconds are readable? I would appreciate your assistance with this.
6.33
